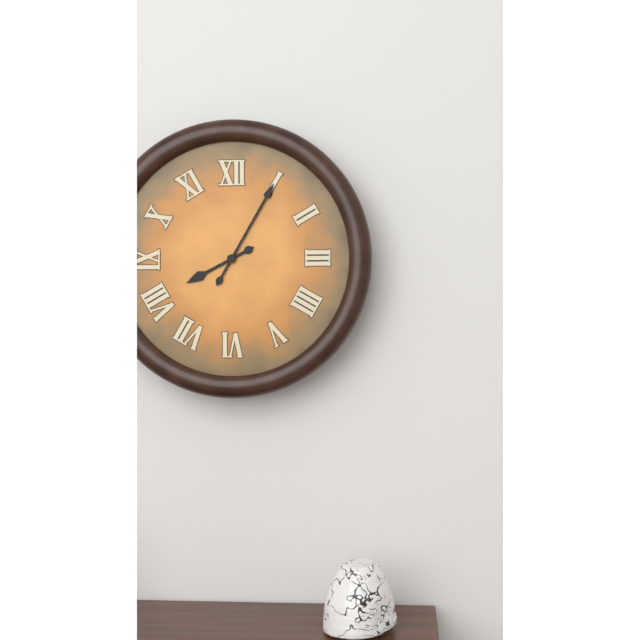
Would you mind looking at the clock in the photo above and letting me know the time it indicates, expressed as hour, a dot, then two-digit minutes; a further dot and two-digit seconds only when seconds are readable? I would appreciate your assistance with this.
8.05
